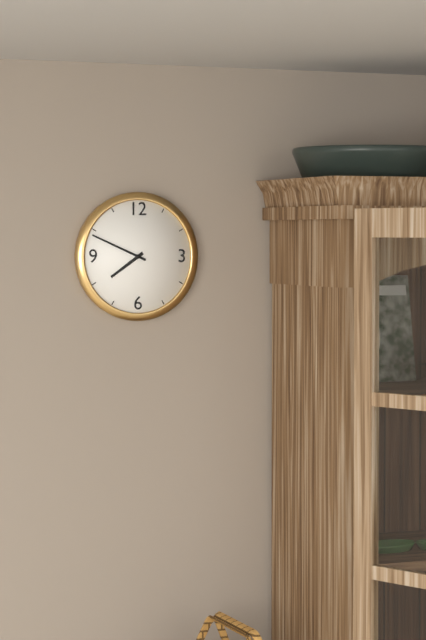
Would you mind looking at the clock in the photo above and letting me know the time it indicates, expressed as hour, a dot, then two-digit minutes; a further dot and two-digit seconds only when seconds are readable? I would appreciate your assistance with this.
7.49
